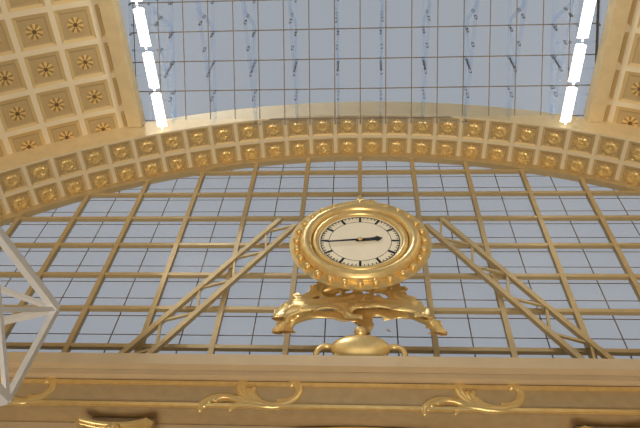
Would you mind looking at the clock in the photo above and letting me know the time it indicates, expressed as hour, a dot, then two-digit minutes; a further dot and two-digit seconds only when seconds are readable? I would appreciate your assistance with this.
2.44
